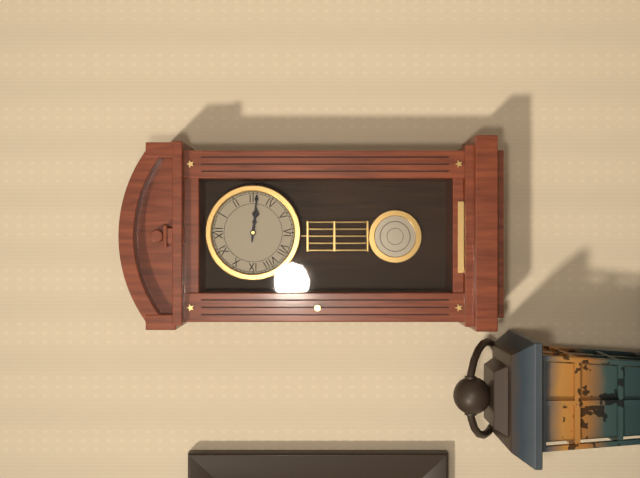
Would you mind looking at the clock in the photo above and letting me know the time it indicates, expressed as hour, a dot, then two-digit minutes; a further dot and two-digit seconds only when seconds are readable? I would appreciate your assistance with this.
3.16
